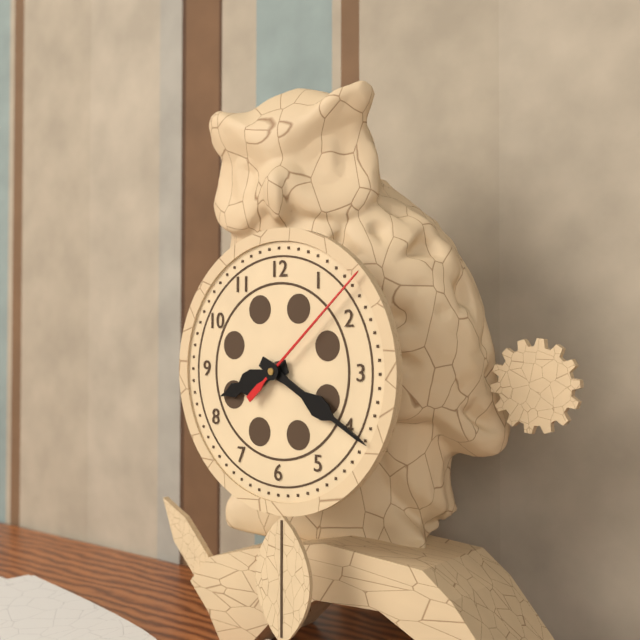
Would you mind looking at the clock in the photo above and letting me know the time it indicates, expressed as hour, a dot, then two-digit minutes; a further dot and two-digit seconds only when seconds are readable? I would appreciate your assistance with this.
8.20.08
